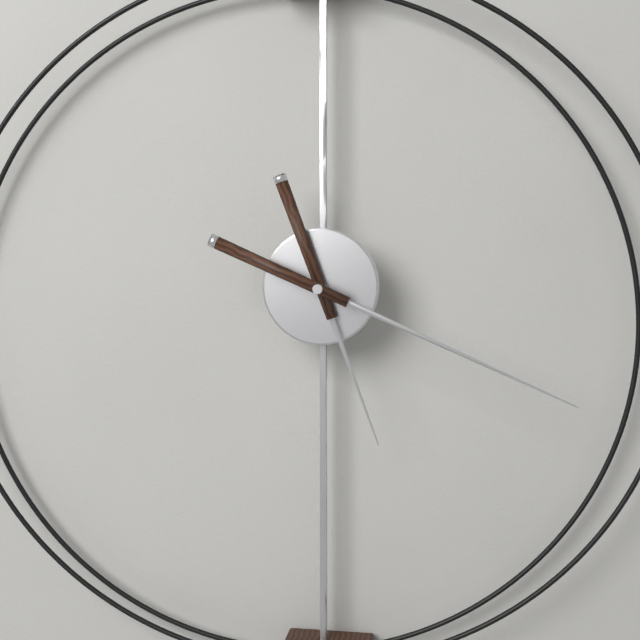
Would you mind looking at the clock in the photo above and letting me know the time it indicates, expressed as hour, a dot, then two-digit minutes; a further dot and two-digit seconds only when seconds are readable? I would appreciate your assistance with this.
5.19
